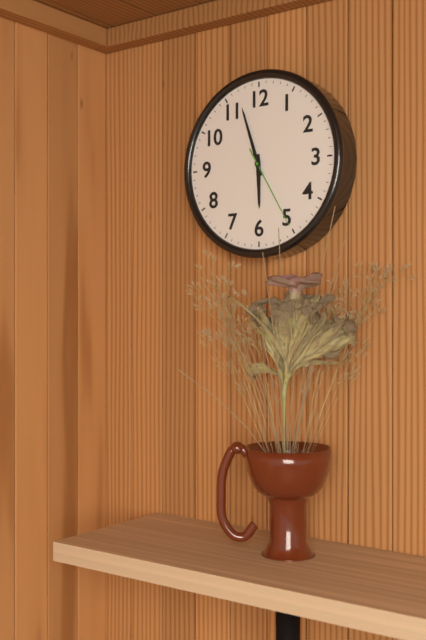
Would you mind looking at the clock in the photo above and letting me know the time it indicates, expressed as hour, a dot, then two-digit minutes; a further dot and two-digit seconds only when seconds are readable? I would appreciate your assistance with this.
5.57.25
